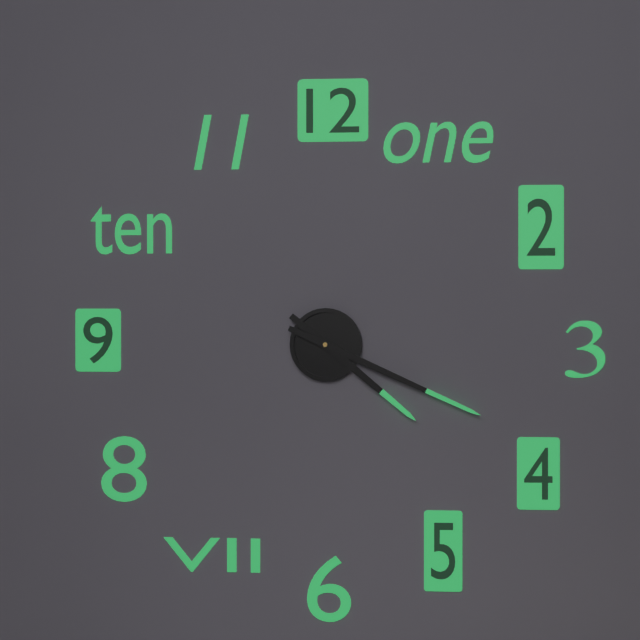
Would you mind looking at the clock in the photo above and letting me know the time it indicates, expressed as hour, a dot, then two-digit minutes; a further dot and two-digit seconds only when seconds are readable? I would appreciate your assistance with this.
4.19
